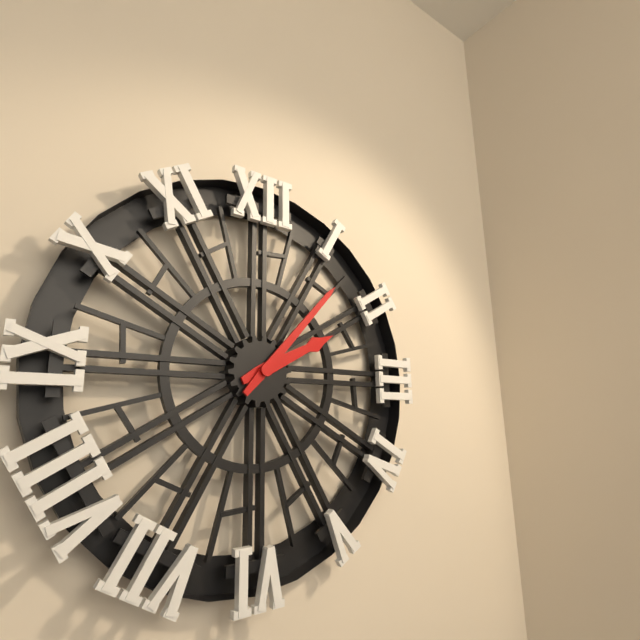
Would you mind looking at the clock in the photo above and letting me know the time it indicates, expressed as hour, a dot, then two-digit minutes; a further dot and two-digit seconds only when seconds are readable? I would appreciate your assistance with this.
2.07
